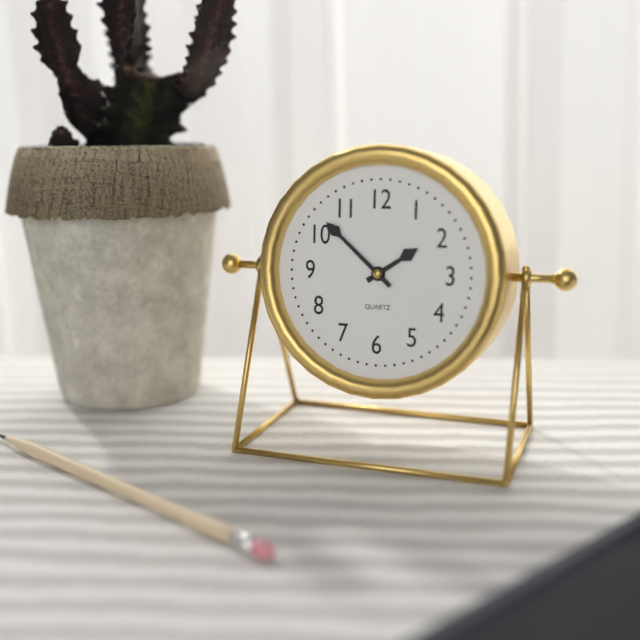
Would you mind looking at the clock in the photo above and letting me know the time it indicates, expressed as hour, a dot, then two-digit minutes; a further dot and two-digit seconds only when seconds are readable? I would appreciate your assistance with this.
1.52
